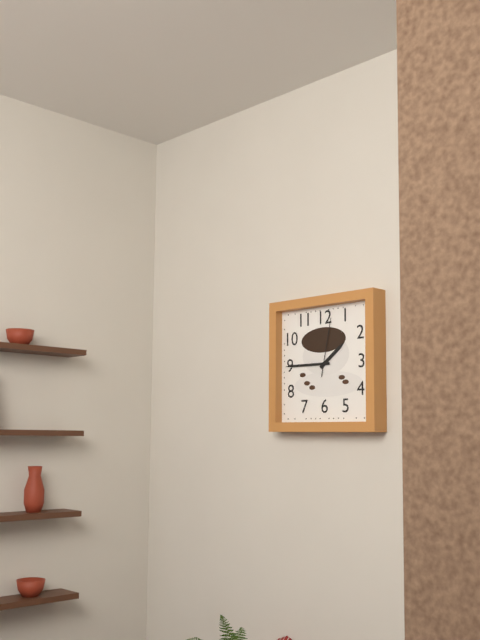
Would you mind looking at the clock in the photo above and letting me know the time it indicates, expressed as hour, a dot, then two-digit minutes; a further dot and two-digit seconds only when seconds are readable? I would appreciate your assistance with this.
1.45.02
